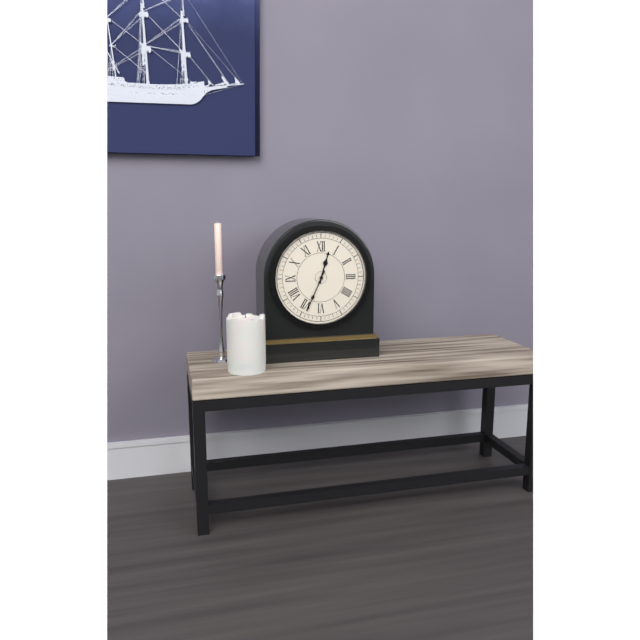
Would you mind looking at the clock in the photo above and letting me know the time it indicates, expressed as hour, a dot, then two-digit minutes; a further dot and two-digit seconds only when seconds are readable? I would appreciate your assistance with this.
12.34
